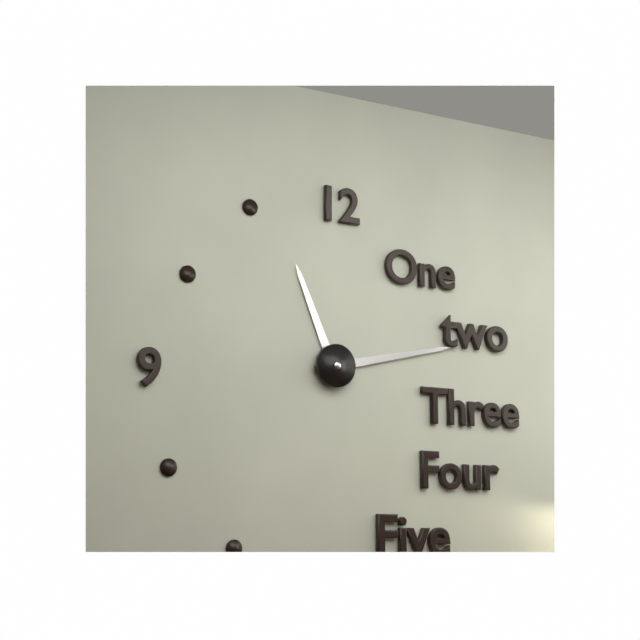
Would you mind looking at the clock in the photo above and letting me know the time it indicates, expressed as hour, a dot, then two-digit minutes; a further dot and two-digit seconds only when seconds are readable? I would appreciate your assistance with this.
11.13
